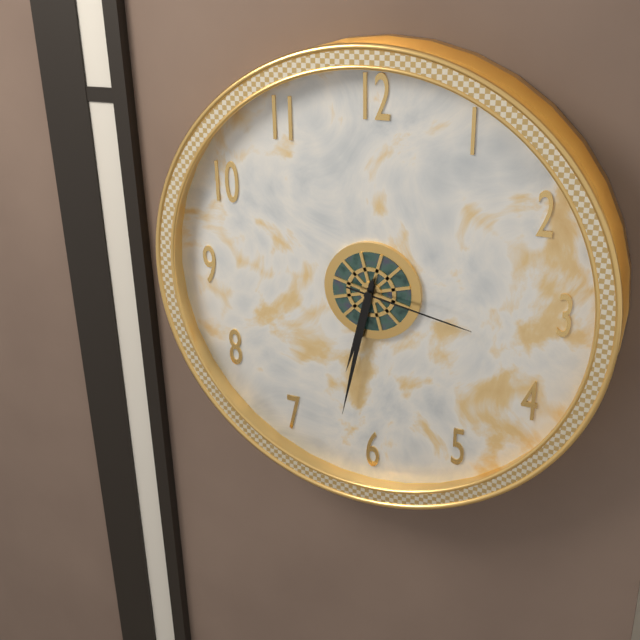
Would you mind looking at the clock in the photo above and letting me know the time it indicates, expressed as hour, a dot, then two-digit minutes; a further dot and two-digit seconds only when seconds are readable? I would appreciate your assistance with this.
6.32.17
